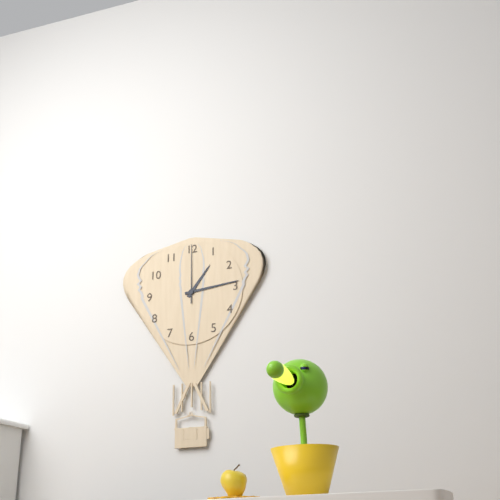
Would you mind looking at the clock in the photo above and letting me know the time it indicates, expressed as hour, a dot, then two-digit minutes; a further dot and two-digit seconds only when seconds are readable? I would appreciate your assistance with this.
1.14.00
